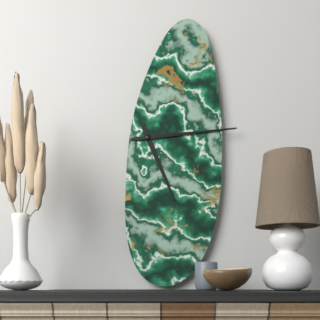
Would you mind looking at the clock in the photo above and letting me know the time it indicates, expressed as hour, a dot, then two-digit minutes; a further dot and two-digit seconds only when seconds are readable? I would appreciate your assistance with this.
5.14
